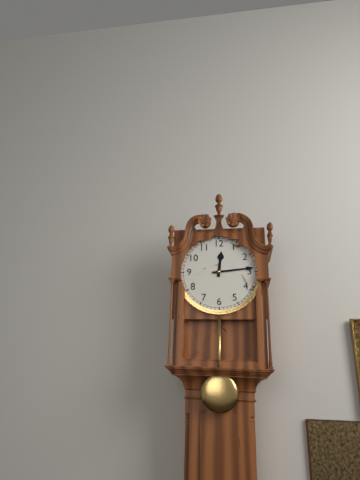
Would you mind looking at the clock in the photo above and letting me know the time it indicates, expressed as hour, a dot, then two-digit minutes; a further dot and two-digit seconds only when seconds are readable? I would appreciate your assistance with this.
12.14
